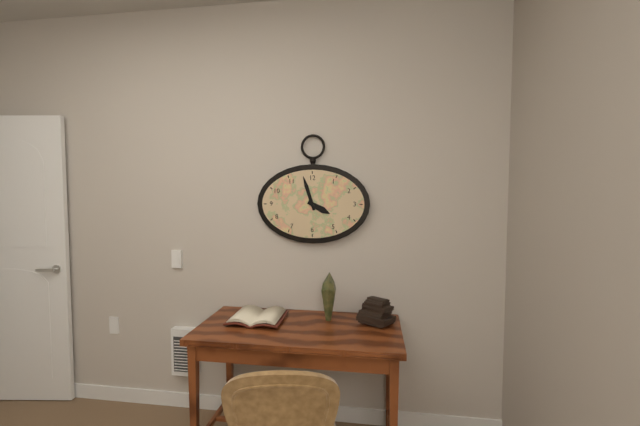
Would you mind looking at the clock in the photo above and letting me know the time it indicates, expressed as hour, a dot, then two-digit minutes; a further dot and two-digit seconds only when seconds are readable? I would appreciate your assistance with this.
3.57
